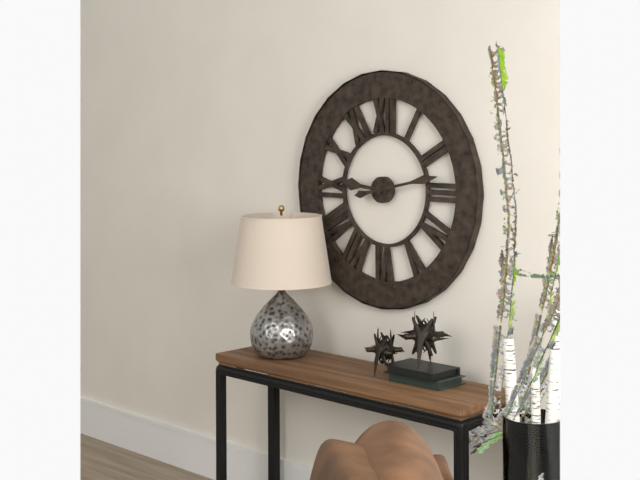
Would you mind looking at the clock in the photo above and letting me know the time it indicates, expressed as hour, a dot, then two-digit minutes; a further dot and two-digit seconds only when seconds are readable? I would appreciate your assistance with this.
9.13
